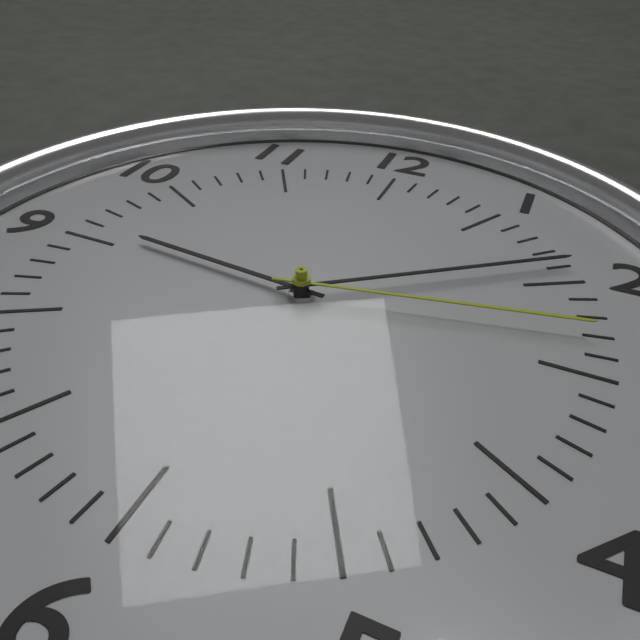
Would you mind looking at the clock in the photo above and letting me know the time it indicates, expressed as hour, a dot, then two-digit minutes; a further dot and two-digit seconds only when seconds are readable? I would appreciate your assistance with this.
9.09.13
